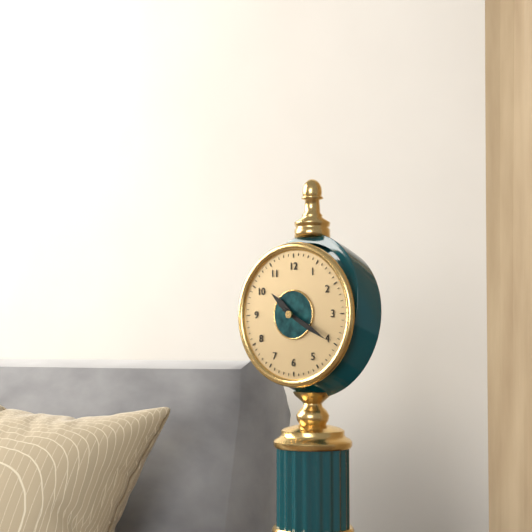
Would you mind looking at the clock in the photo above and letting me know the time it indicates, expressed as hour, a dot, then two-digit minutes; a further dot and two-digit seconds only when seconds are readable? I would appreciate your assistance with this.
10.20
